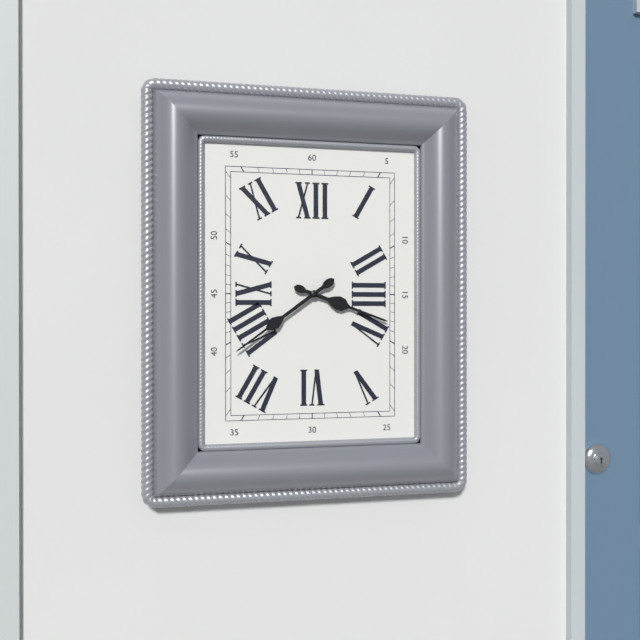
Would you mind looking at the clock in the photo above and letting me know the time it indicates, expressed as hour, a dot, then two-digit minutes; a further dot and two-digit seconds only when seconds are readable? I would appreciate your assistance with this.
3.39
